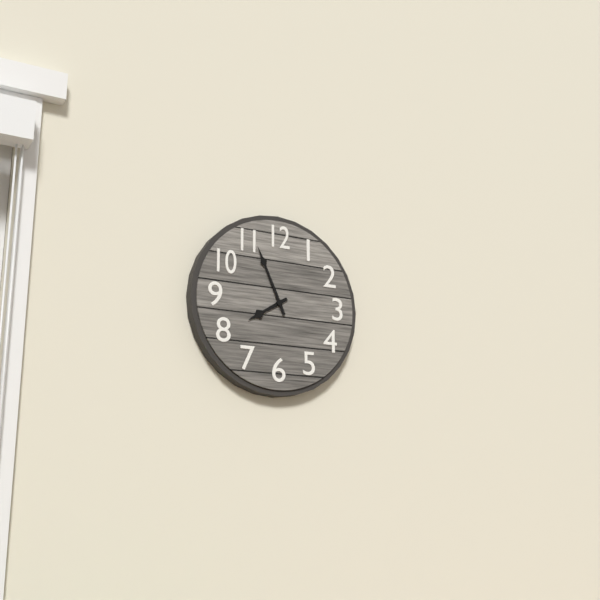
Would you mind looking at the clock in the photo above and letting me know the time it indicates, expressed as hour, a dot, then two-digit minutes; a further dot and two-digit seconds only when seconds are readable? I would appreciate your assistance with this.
7.56
